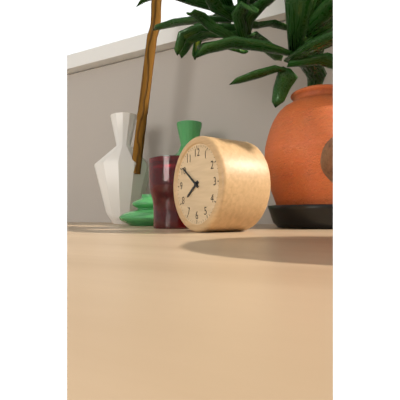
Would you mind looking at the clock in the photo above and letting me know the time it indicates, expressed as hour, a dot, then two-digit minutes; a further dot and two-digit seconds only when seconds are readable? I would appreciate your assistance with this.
7.51
